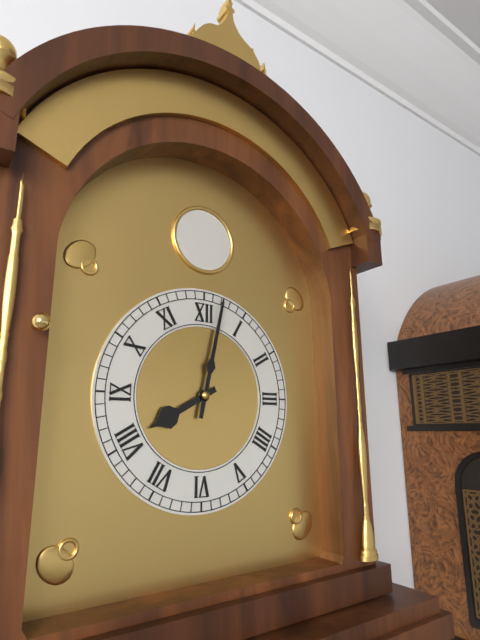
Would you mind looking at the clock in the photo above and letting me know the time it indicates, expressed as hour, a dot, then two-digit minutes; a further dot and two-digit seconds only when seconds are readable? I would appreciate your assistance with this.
8.02
